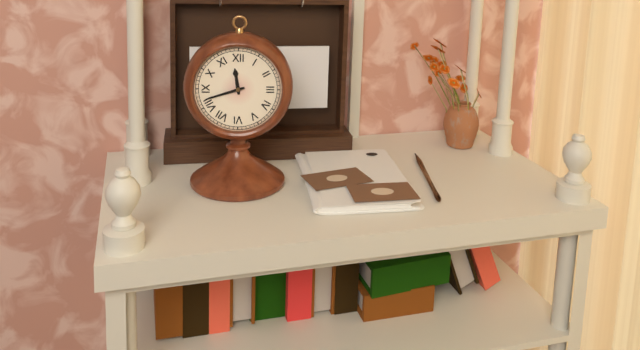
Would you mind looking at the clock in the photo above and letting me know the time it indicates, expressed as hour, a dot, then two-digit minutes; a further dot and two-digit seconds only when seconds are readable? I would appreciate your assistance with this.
11.42
